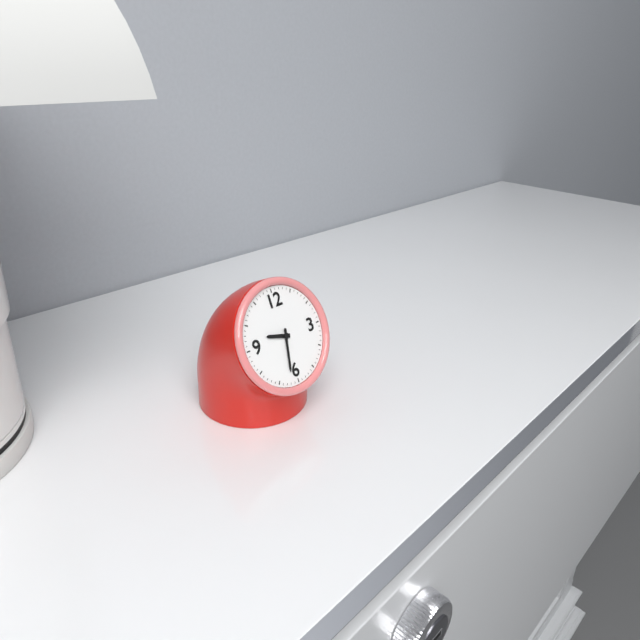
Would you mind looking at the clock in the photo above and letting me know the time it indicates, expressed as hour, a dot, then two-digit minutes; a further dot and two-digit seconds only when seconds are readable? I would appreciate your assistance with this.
9.32
